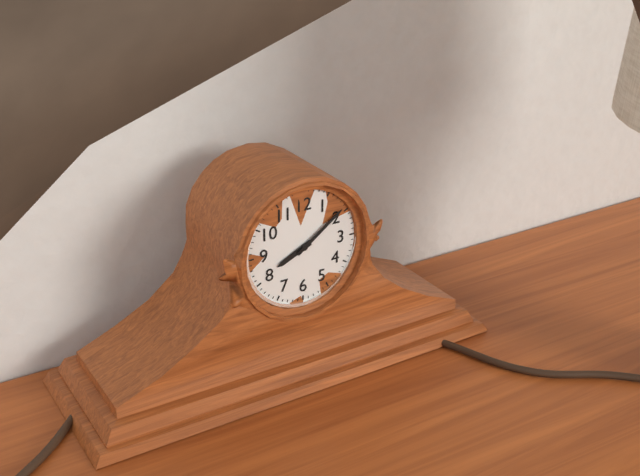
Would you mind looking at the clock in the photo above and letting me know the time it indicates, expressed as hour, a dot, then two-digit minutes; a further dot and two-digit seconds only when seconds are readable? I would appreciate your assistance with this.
8.09
